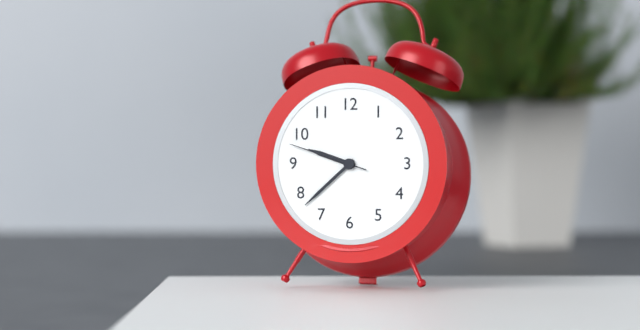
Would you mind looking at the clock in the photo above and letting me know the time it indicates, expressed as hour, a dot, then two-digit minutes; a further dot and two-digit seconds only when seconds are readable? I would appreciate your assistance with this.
9.38.48
